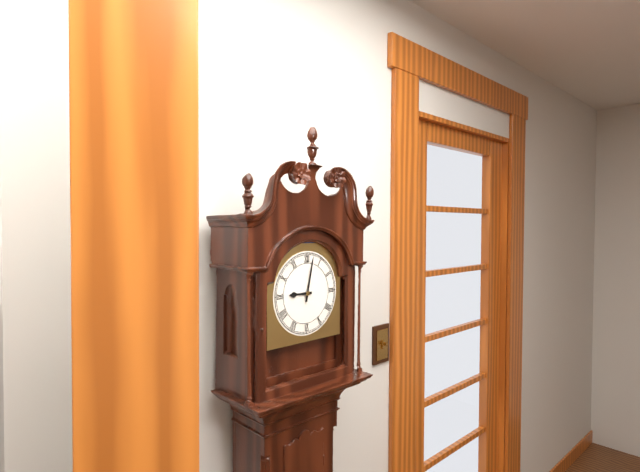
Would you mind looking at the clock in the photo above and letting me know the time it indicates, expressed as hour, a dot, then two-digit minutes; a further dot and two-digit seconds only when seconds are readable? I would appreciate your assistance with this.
9.02
